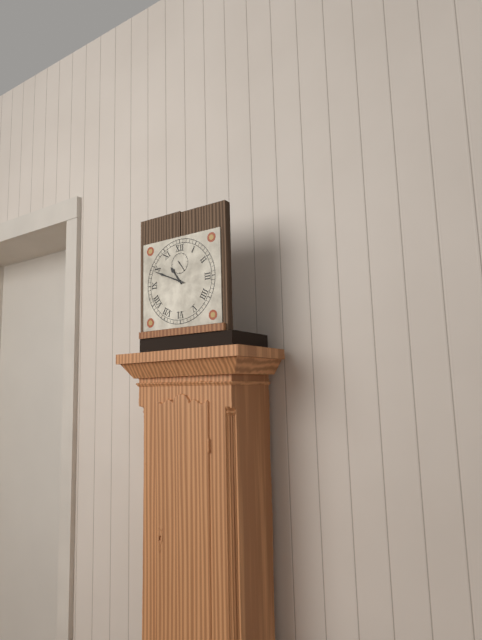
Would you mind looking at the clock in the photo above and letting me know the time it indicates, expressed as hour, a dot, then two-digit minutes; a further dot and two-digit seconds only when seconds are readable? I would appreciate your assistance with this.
10.49
